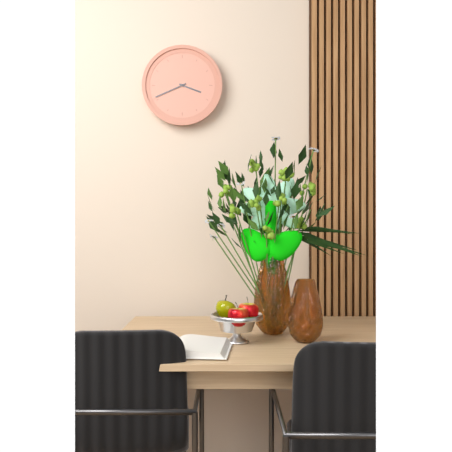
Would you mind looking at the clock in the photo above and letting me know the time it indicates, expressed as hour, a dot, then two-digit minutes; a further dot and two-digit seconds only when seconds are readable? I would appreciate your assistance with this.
3.41
